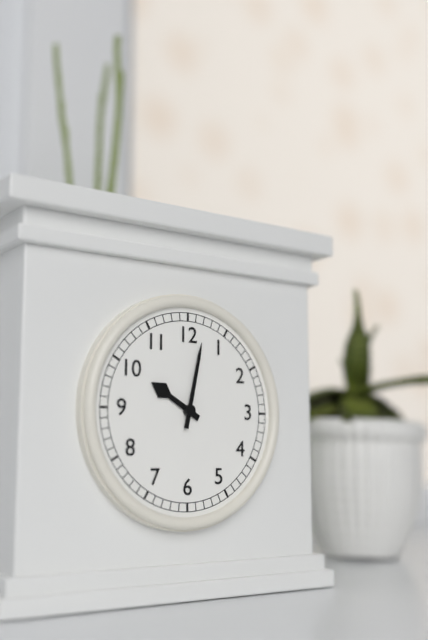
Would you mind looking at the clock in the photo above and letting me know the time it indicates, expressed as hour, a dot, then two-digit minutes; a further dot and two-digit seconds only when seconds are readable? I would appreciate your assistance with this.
10.02
